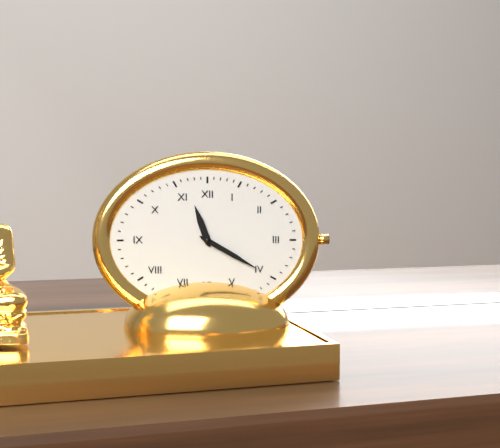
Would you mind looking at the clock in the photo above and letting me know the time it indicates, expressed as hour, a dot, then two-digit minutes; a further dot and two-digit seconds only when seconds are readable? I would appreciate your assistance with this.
11.20
